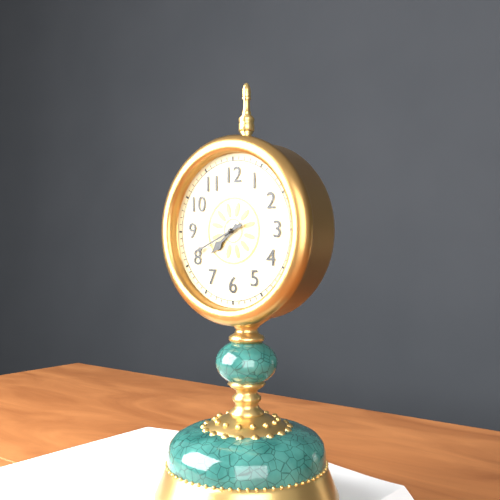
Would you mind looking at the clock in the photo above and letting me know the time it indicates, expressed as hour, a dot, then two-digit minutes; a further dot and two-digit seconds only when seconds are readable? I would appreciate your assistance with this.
7.41
